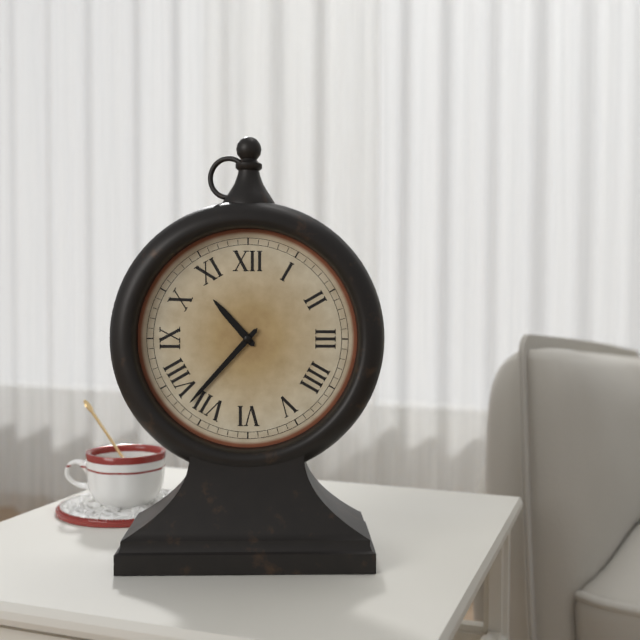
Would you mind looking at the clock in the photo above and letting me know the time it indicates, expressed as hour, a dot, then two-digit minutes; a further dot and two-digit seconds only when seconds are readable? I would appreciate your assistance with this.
10.37
